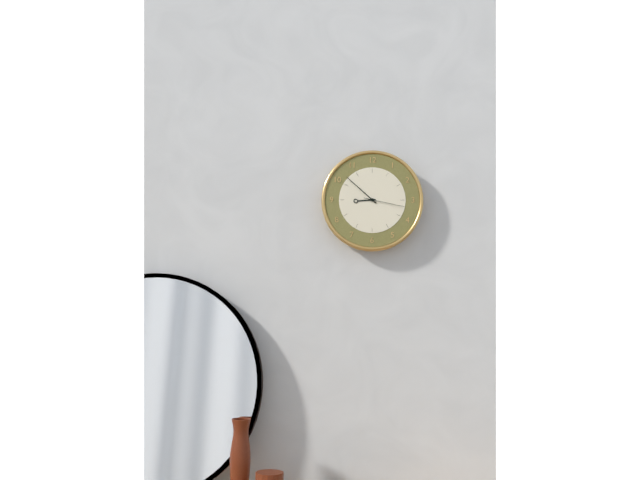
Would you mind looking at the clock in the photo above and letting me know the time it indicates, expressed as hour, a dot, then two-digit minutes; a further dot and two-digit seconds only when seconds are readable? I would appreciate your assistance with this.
8.52
